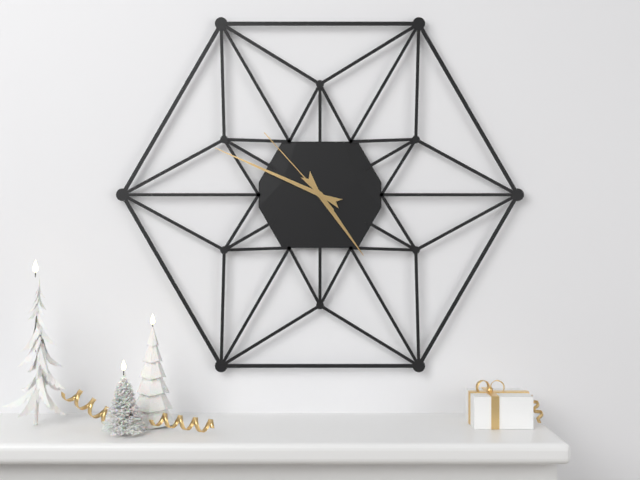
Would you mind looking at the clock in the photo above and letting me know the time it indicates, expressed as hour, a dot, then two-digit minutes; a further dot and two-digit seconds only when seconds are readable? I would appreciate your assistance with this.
4.49.53
